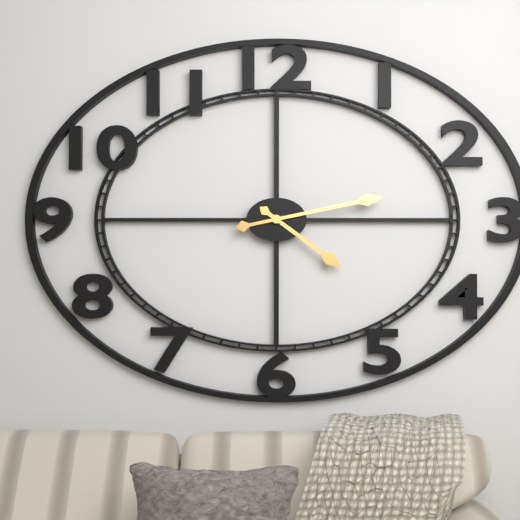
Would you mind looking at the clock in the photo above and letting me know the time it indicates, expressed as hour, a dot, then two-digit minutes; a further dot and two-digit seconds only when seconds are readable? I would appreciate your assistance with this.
4.13
